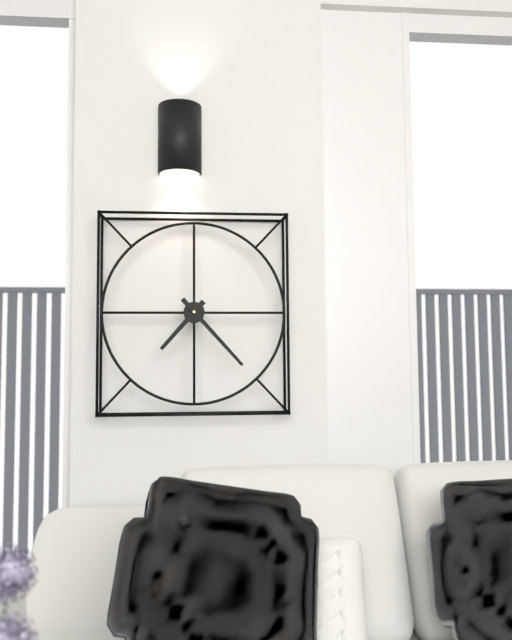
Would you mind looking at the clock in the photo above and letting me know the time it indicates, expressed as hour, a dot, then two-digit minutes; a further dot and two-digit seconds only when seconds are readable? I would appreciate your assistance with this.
7.23
